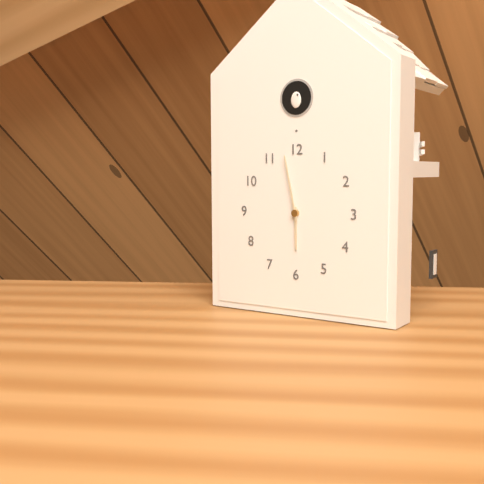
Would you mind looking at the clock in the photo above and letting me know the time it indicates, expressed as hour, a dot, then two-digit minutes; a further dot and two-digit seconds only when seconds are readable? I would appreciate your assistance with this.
5.58
